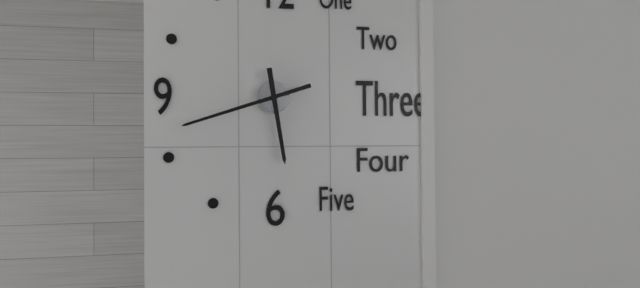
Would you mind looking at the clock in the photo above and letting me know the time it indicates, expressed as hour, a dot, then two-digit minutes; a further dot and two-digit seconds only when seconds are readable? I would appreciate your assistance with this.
5.42
